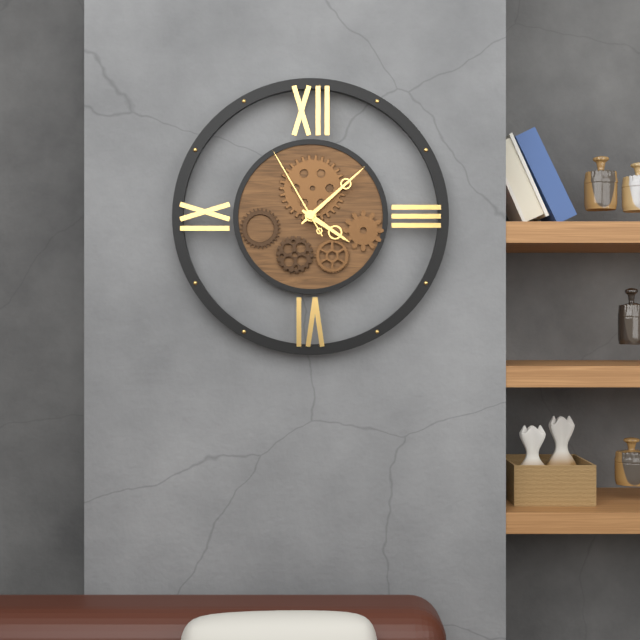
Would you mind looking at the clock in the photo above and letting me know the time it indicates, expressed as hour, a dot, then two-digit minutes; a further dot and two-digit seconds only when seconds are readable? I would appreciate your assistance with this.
4.08.55
